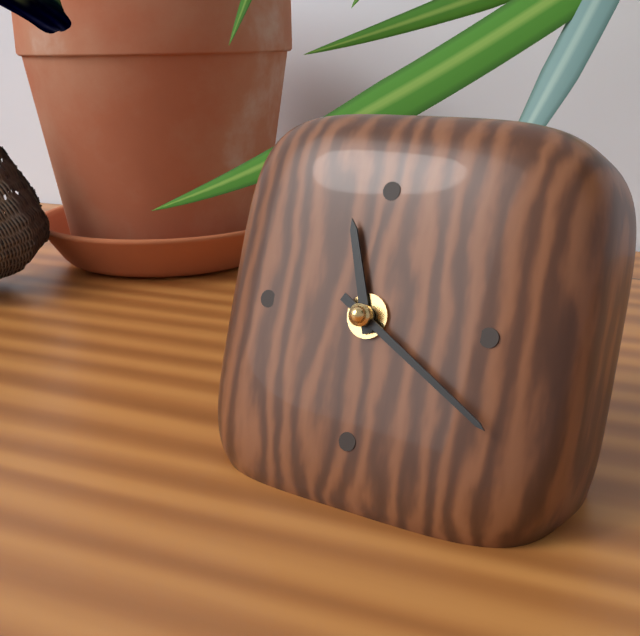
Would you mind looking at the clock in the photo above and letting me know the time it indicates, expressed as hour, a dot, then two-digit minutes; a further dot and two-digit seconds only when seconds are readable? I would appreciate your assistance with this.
11.20
